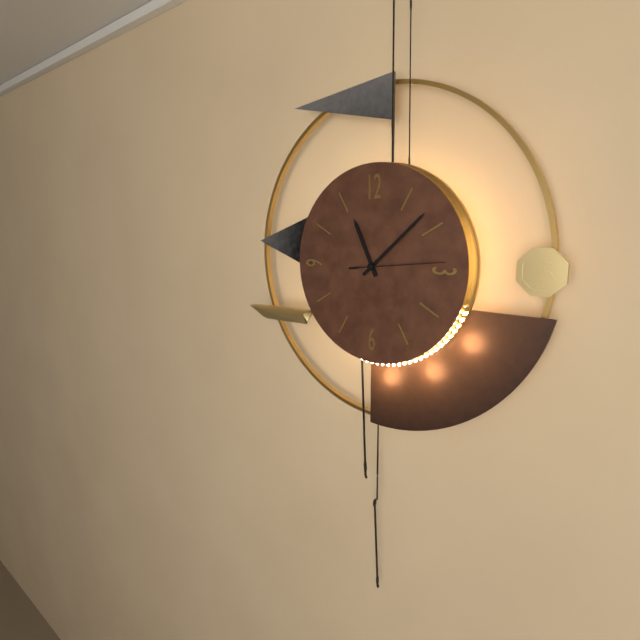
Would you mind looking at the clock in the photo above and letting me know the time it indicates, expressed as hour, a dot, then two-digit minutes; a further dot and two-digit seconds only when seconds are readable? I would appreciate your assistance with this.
11.08.14
